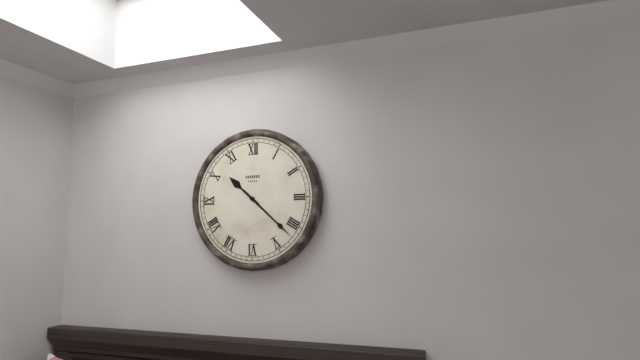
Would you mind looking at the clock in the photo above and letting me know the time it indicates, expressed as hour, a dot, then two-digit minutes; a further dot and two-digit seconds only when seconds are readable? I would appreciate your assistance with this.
10.22
